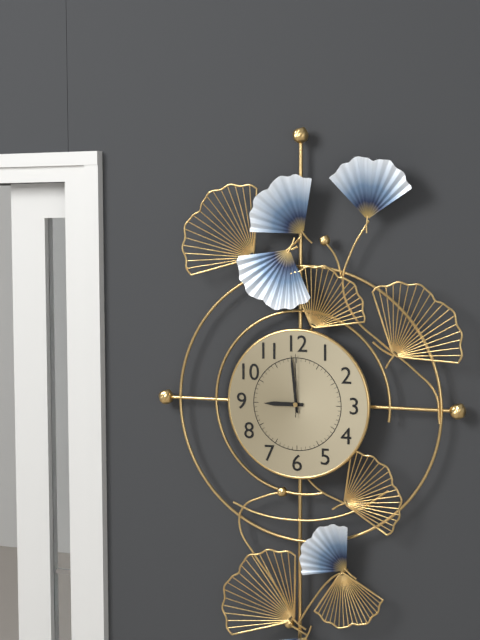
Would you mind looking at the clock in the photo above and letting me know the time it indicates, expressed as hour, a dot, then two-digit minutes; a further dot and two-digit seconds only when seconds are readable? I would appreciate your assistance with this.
8.59.00
